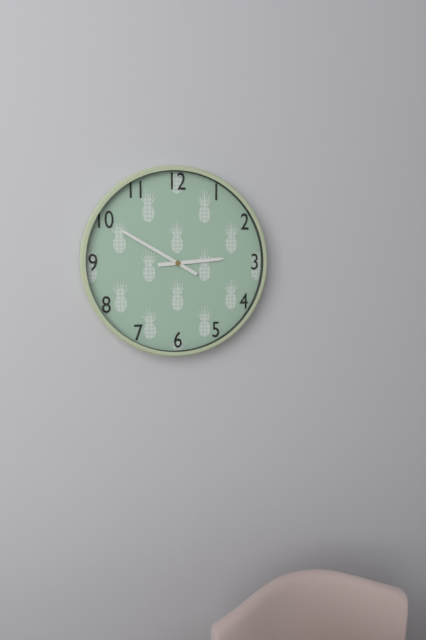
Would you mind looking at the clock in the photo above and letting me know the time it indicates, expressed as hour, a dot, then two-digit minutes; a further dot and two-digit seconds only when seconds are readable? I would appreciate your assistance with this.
2.50
